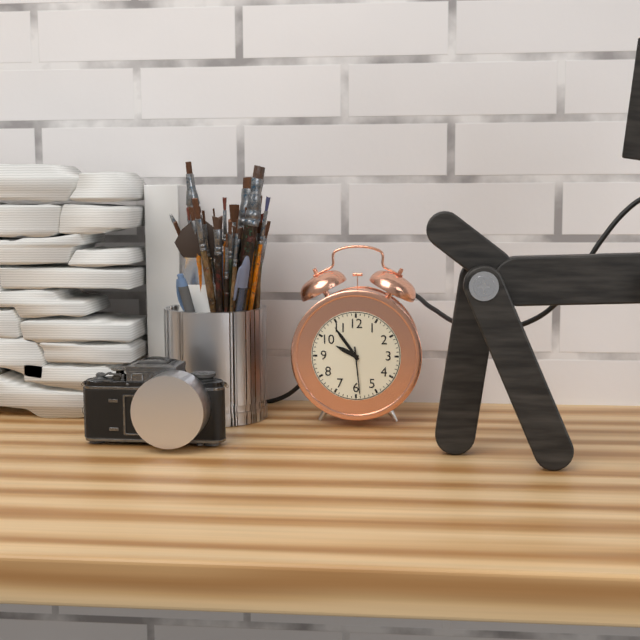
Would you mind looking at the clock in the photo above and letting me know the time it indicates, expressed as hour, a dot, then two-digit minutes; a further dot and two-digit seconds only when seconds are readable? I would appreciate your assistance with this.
9.54
